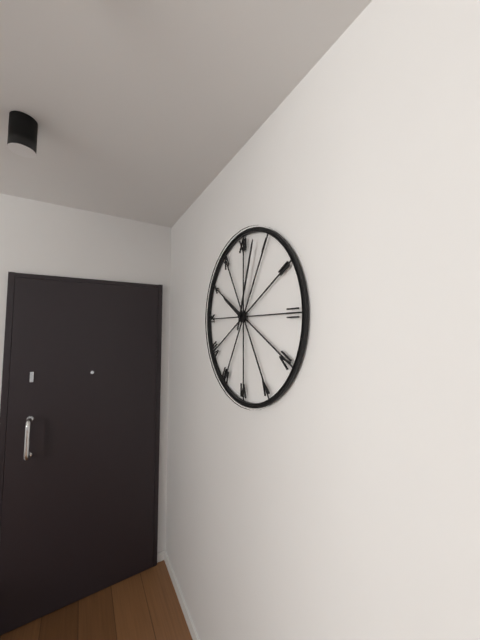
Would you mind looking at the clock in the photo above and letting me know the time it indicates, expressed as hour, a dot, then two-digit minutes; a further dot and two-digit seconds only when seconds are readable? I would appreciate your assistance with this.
10.03
